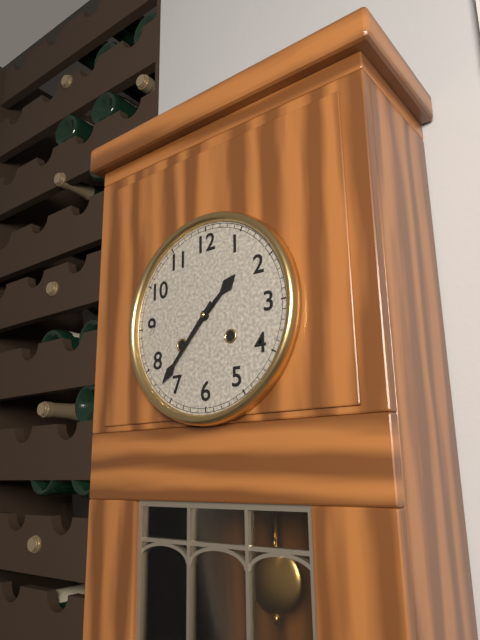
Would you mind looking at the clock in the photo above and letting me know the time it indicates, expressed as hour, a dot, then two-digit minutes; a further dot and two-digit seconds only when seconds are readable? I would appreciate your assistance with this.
1.37
